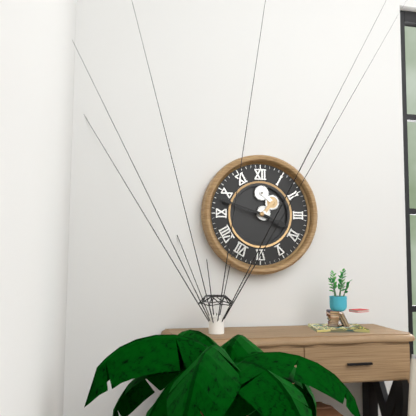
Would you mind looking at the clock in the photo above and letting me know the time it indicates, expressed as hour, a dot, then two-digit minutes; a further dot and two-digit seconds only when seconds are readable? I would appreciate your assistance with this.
3.48
